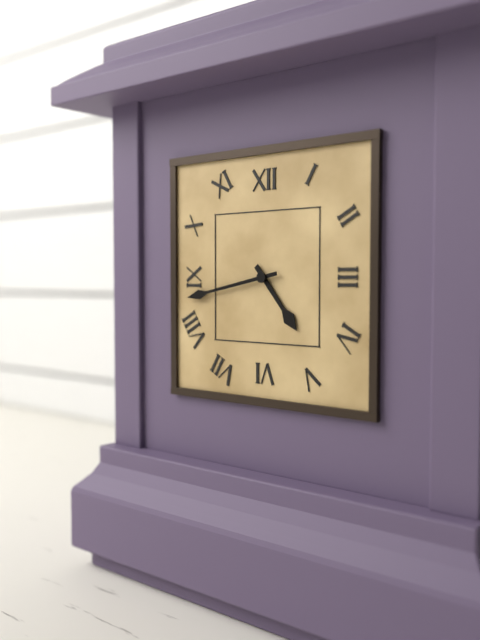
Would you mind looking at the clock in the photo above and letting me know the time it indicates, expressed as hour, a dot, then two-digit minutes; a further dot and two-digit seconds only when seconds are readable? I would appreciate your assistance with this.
4.43
